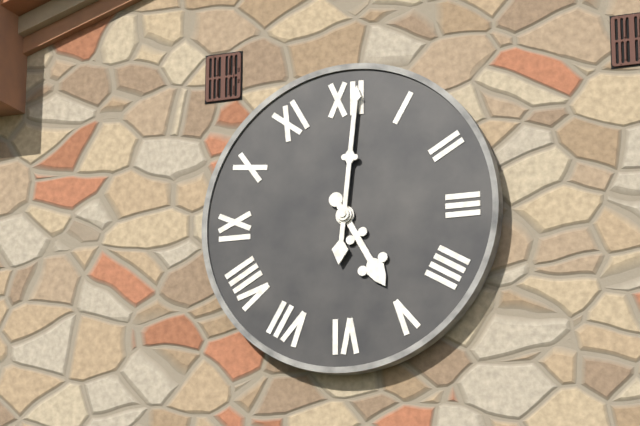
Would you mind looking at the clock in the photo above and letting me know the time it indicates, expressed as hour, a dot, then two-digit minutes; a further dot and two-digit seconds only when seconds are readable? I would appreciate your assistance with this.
5.01
